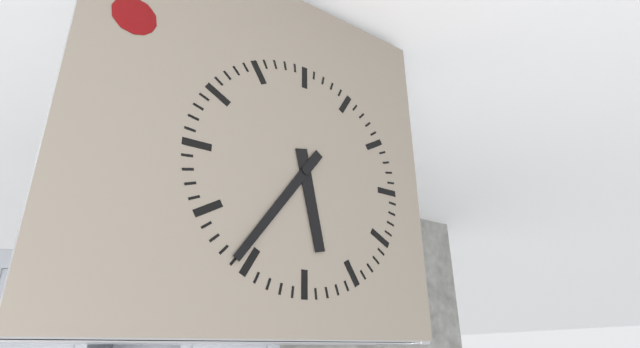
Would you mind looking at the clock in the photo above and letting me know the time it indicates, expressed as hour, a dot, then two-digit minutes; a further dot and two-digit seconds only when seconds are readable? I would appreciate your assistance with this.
5.36
